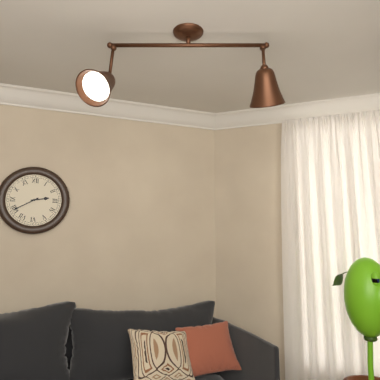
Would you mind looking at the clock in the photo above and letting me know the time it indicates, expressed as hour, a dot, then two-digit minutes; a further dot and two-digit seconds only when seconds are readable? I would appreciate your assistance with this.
2.40
